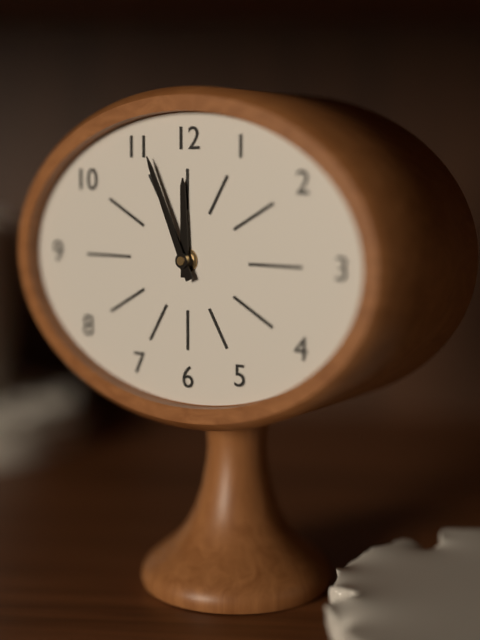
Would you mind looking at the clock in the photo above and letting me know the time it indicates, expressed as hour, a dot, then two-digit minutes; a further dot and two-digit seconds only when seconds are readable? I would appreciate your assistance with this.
11.56
